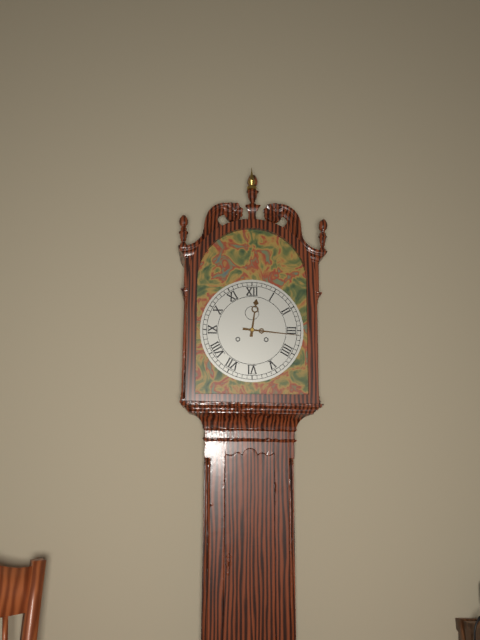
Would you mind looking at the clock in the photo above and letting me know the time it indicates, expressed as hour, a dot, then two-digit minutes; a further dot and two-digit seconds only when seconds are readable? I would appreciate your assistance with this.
12.16
